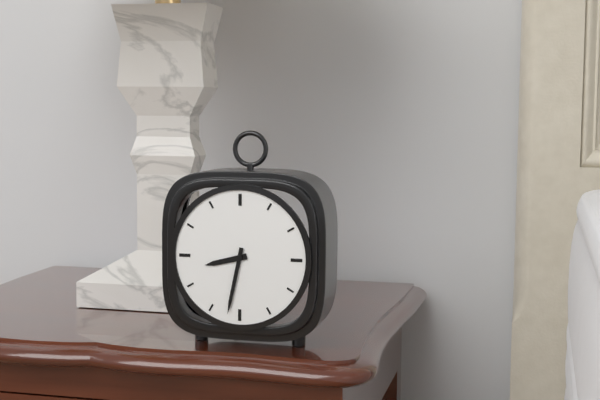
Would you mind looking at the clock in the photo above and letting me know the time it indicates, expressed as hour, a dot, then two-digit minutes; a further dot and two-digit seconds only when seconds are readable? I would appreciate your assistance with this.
8.32
